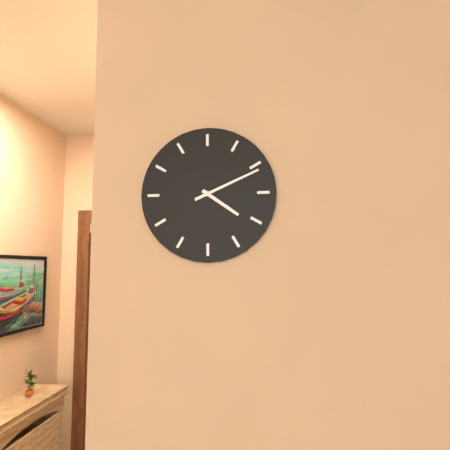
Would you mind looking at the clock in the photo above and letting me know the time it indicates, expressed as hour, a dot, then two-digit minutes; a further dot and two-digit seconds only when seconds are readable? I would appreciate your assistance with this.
4.11
